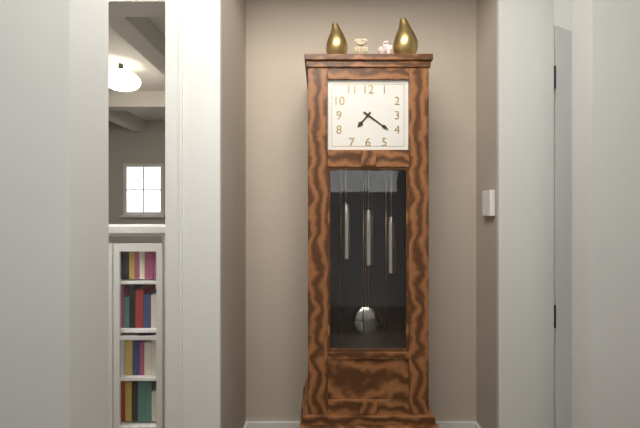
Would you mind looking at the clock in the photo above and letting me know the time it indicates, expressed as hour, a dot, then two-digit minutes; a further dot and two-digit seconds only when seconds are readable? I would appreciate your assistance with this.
7.21
